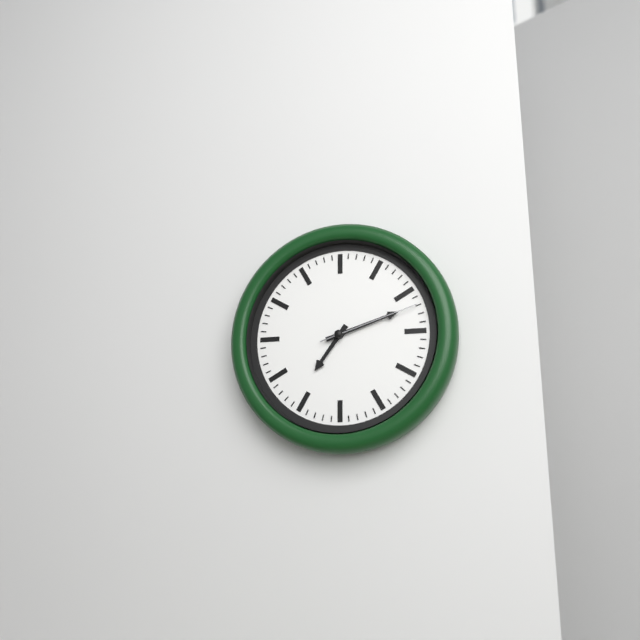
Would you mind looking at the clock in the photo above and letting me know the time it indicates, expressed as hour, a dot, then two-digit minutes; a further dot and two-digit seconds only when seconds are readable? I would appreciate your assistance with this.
7.12.12
